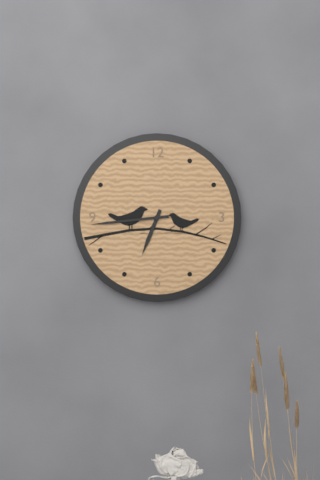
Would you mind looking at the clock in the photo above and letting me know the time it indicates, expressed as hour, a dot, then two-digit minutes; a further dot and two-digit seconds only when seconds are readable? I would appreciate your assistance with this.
6.44
